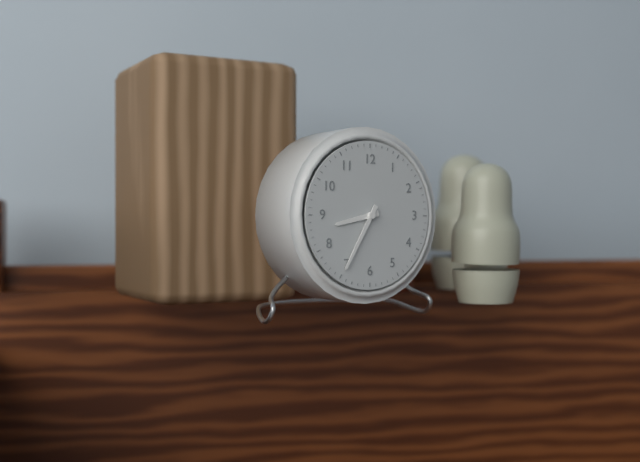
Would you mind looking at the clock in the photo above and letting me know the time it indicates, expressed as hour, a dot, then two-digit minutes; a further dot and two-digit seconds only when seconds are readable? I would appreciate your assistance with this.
8.35
